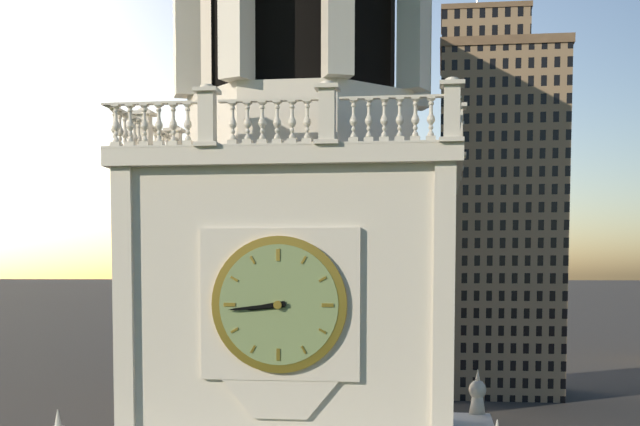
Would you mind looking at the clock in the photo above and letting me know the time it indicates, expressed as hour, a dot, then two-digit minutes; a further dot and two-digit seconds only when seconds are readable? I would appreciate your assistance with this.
8.44
